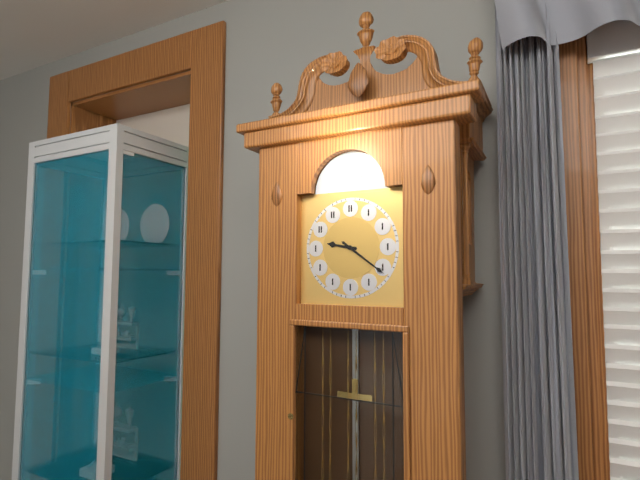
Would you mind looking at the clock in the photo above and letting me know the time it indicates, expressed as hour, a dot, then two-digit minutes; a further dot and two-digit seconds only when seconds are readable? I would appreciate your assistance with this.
9.21
